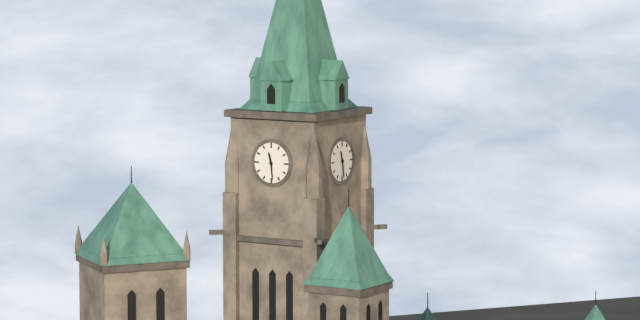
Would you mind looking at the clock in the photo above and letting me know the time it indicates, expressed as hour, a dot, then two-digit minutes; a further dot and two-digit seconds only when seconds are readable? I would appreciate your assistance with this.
11.29
